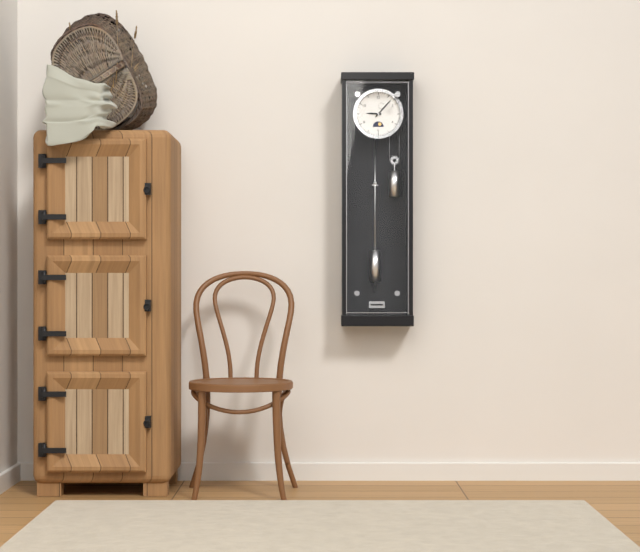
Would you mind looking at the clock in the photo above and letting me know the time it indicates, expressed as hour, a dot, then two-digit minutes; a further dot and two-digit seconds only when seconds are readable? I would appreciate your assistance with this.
9.07
